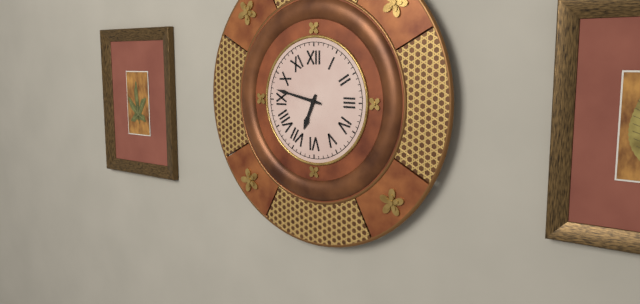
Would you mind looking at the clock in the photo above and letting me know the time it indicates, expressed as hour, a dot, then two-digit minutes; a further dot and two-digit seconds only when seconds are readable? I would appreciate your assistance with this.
6.47
